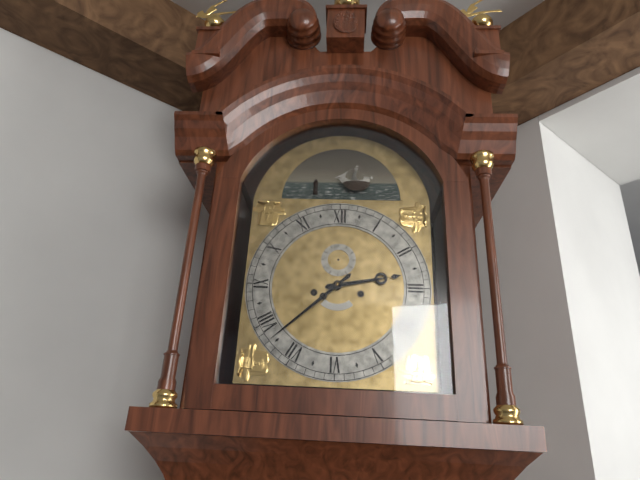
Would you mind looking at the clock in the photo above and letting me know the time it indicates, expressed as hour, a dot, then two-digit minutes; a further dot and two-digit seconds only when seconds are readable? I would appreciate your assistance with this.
2.38
